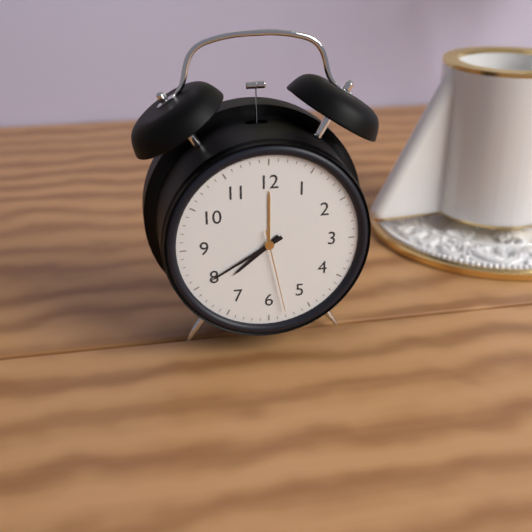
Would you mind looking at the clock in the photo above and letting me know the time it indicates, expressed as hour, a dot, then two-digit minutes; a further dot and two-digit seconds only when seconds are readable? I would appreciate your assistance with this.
7.40.28
